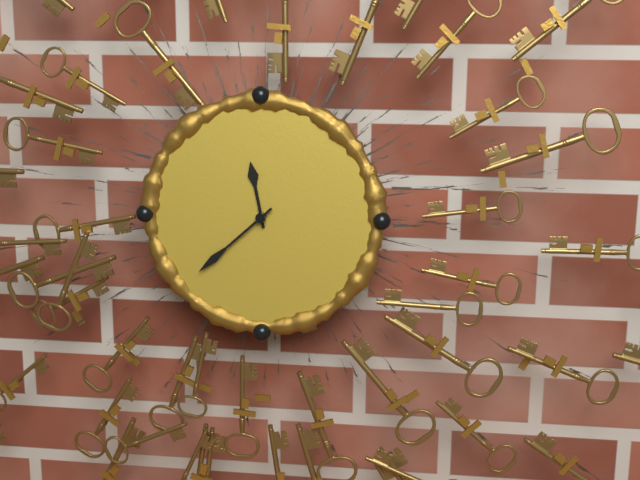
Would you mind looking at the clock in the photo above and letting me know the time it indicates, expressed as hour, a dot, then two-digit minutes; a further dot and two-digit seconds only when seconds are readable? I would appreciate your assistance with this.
11.38
